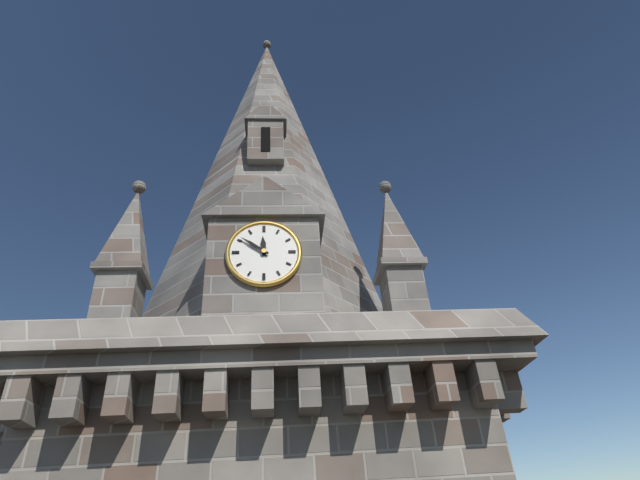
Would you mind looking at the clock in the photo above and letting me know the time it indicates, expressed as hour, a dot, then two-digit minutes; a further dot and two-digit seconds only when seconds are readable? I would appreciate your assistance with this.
11.51
